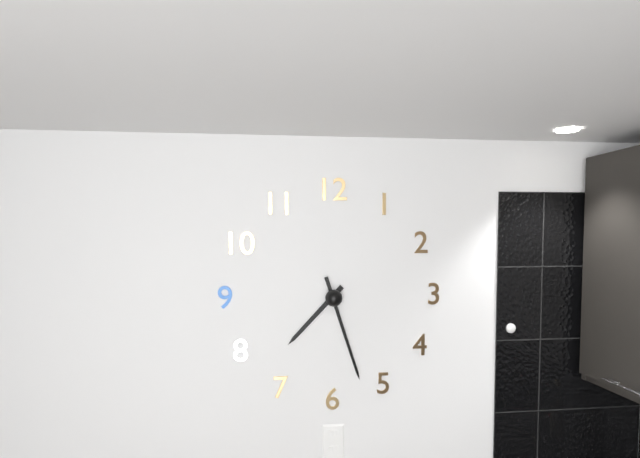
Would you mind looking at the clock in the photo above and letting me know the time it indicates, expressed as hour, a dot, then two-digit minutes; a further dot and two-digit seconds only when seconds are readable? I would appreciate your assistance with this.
7.27
